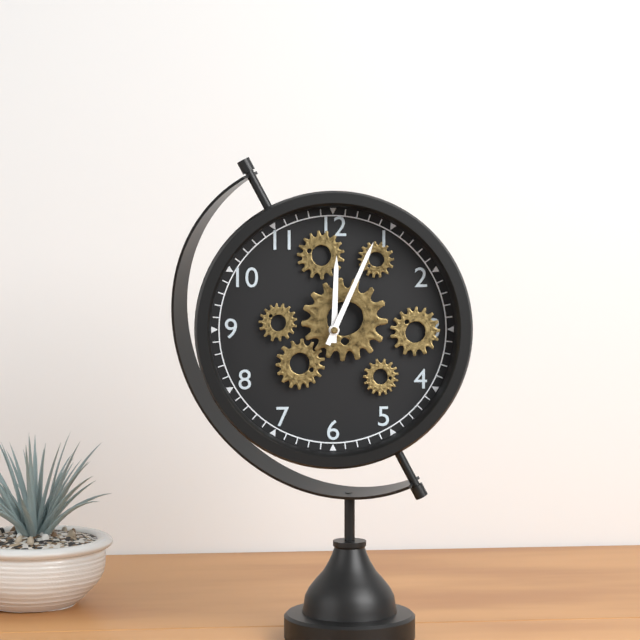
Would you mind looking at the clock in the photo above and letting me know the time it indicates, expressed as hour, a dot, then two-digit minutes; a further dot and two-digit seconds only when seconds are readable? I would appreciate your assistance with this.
12.04
